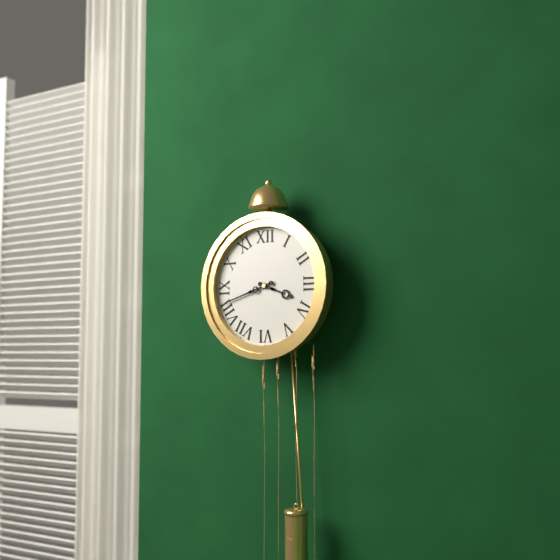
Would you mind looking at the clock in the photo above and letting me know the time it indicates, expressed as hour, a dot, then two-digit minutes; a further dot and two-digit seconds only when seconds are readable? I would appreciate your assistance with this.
3.42
